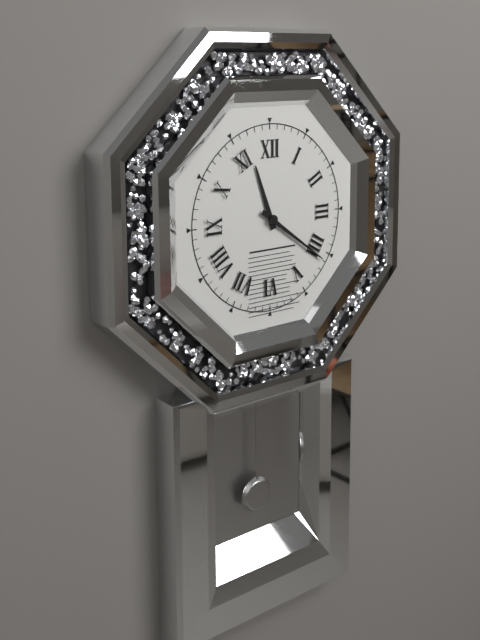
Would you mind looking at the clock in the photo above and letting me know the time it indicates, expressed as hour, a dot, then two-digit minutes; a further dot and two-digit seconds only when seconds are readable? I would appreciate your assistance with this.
11.21
